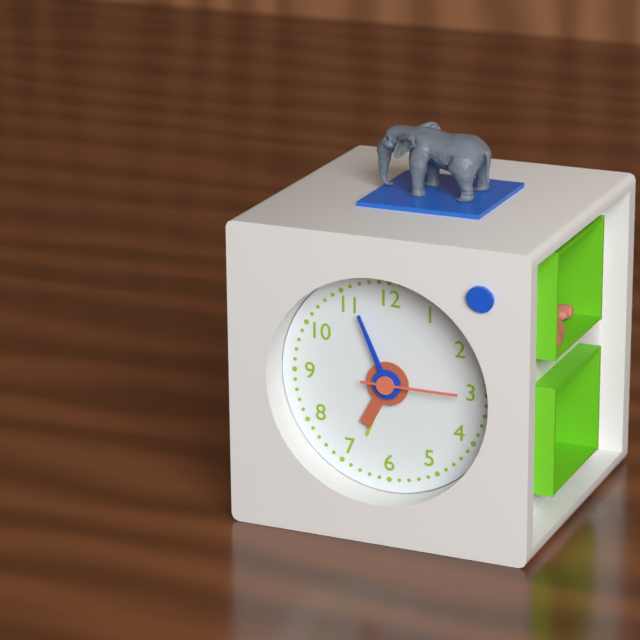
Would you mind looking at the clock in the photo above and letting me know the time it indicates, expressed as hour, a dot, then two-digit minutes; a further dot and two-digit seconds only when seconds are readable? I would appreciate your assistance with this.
6.56.15
